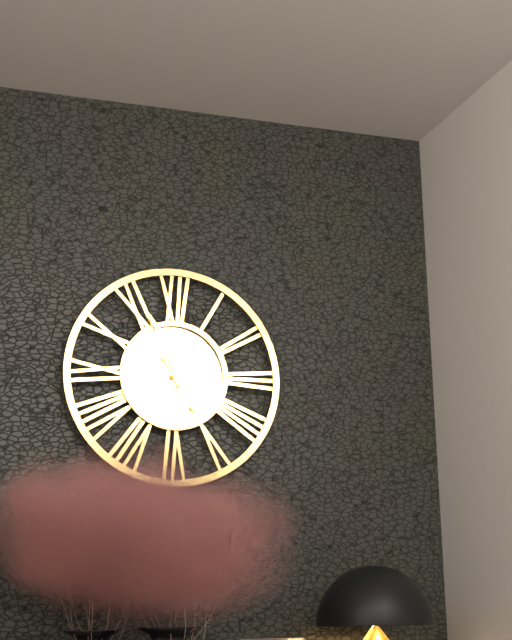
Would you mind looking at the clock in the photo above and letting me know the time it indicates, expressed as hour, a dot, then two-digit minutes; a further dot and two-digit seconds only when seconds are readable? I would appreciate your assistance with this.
4.56
